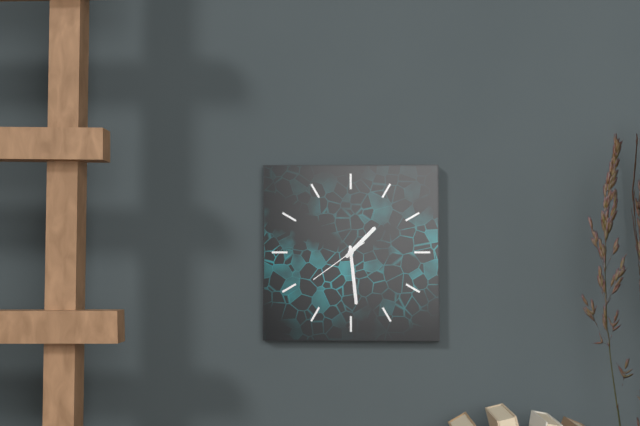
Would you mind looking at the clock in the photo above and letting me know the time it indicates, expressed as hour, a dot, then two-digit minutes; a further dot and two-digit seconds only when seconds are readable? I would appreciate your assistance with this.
1.29.39
